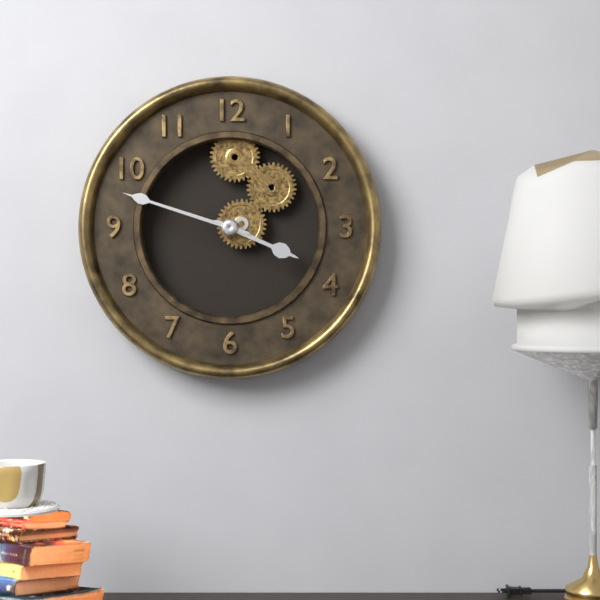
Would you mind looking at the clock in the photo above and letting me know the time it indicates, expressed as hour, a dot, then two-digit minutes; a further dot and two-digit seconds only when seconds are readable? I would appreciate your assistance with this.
3.48
